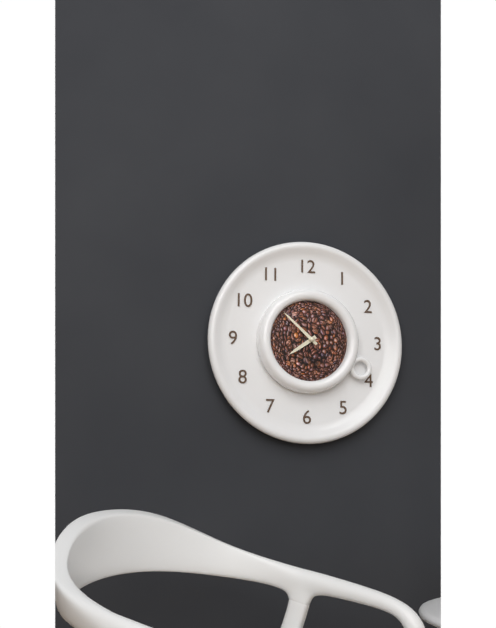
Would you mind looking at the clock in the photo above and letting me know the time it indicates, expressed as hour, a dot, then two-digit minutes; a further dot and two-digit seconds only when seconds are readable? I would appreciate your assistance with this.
7.52
